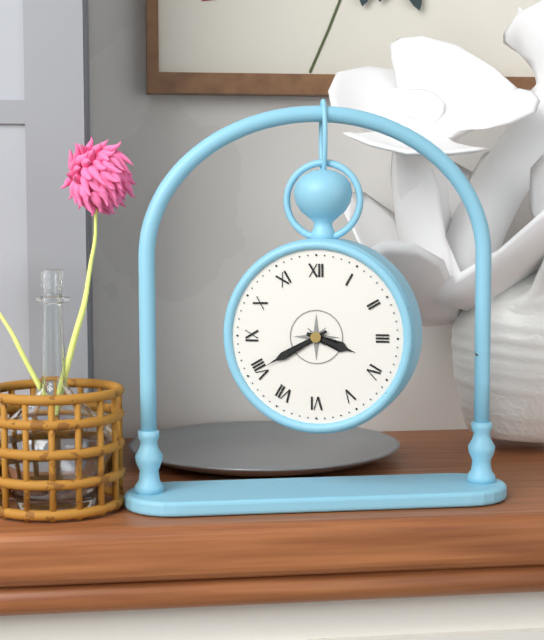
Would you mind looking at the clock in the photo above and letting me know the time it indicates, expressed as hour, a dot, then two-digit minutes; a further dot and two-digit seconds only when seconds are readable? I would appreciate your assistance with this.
3.40
